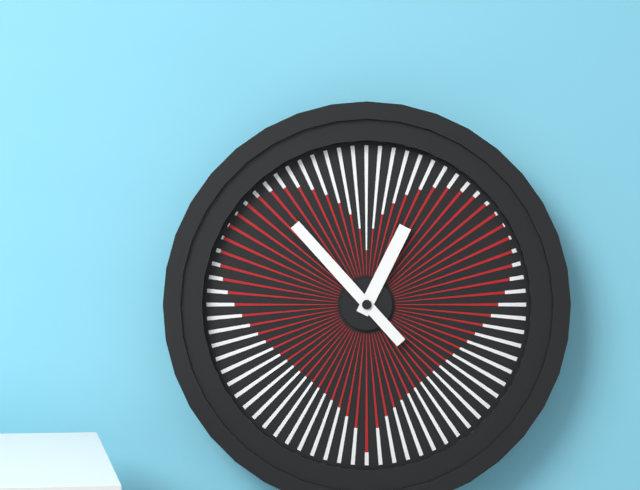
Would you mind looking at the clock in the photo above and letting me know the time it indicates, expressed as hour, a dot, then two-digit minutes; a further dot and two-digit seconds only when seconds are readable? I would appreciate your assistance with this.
12.53
